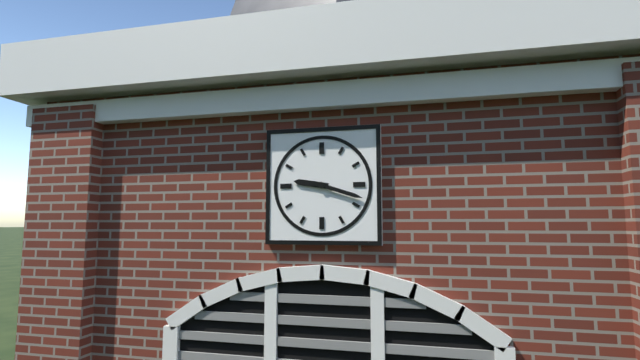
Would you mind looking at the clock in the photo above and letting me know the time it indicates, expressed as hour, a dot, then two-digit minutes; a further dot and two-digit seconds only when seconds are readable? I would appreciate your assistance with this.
9.18
